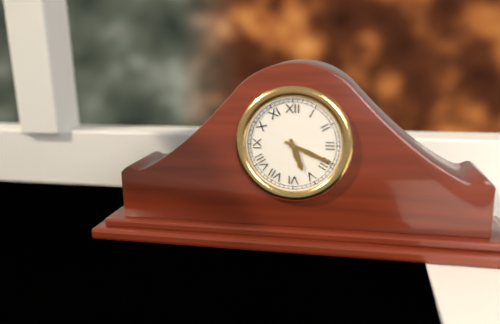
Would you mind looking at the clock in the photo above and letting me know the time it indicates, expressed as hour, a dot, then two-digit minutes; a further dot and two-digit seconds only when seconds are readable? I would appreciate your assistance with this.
5.19
